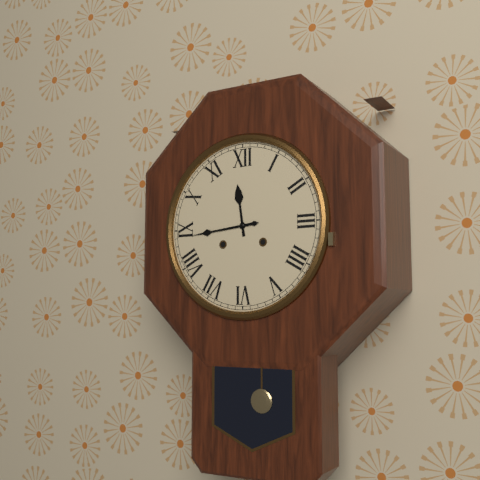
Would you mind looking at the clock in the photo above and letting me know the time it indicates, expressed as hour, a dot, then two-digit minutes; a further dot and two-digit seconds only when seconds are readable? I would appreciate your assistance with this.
11.44
